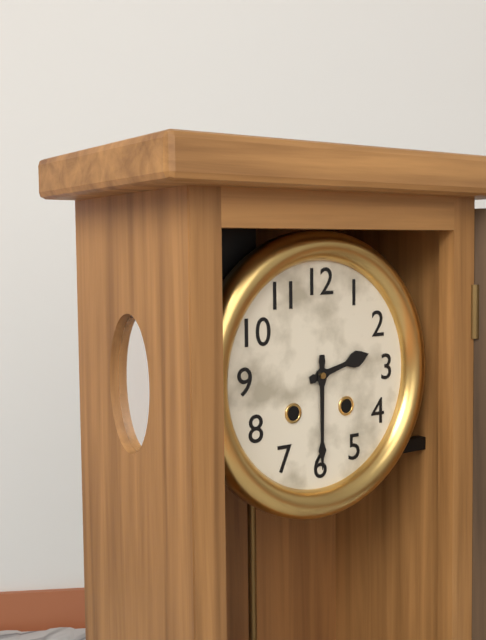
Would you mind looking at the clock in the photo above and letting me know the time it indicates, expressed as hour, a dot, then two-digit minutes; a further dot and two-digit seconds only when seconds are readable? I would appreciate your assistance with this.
2.30
